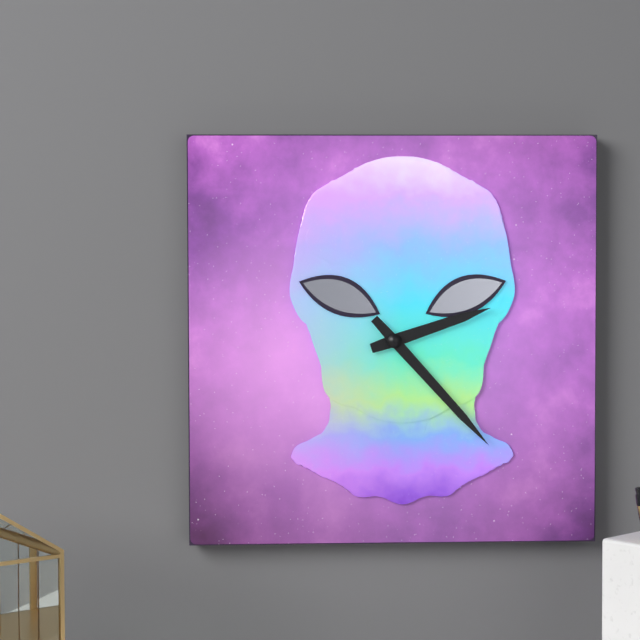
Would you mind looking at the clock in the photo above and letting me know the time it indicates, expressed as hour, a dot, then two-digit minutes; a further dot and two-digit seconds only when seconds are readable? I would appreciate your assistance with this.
2.23
